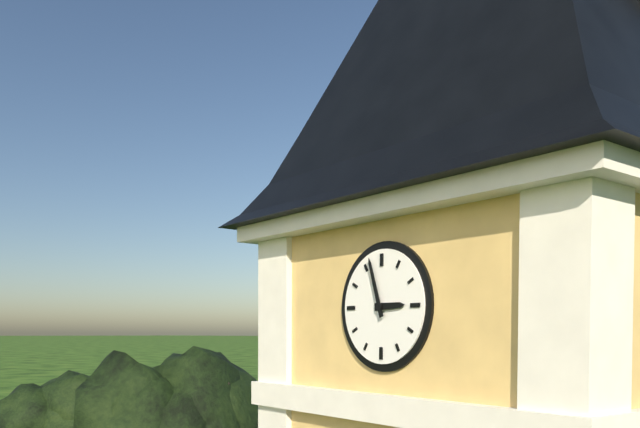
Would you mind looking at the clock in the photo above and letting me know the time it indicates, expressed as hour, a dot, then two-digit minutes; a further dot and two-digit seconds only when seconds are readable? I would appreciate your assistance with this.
2.57
